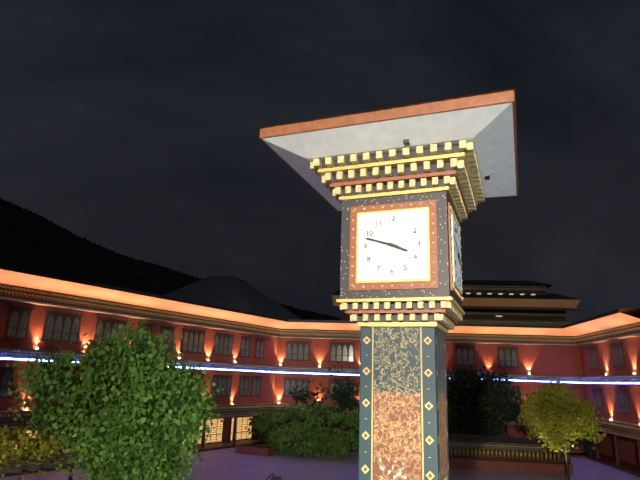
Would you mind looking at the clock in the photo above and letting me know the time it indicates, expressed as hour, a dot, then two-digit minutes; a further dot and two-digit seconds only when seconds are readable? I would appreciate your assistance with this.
3.48
